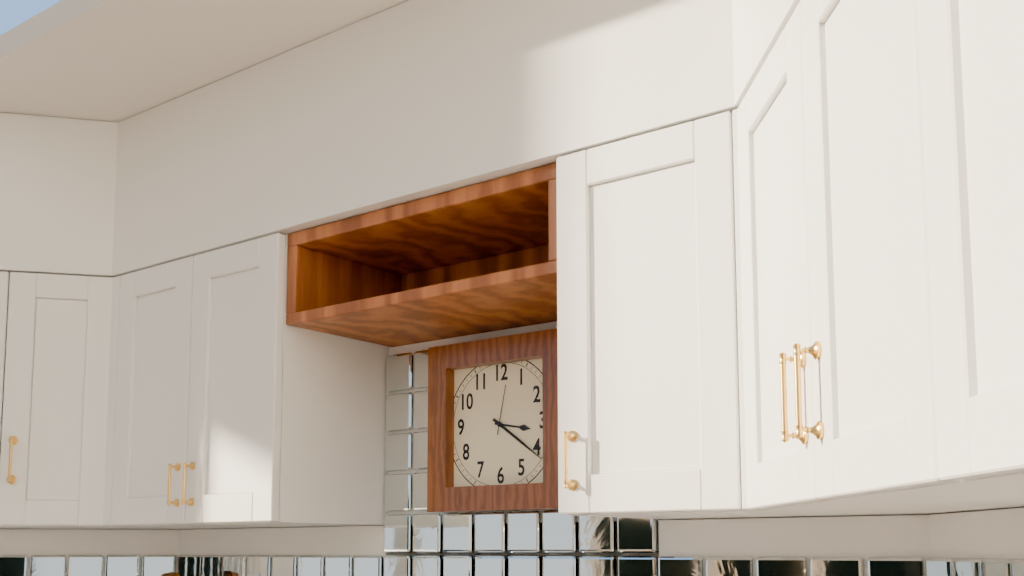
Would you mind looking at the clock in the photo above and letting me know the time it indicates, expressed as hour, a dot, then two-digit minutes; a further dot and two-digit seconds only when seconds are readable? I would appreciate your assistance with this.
3.21
